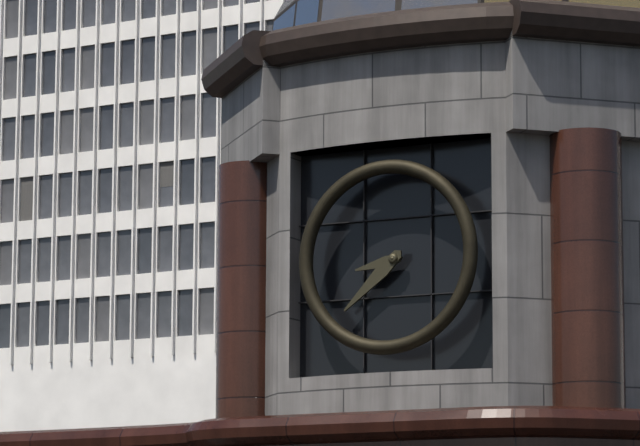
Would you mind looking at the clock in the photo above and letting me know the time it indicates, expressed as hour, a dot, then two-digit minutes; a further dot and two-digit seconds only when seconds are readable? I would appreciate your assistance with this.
8.38
